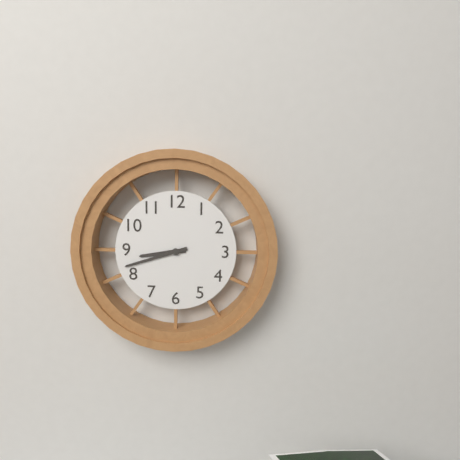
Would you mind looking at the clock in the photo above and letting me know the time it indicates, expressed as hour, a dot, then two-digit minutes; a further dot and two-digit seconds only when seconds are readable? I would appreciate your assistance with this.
8.42
